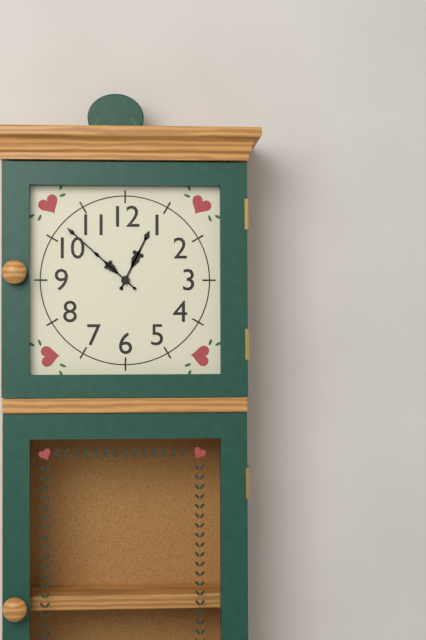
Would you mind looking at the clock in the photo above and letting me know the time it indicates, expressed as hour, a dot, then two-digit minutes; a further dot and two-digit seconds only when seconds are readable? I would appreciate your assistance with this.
12.52
